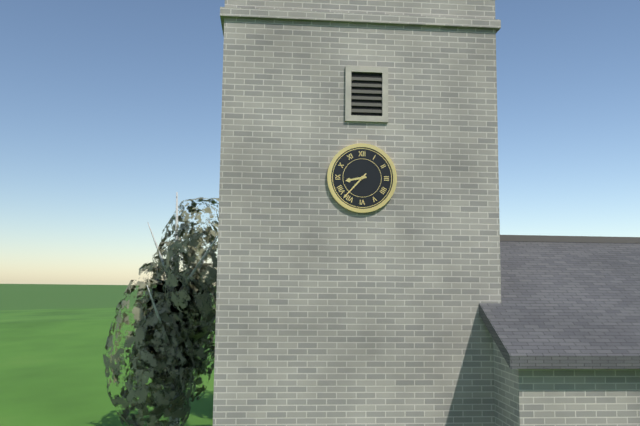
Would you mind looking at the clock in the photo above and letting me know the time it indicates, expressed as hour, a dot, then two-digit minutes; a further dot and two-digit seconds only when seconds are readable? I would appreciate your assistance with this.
8.37
